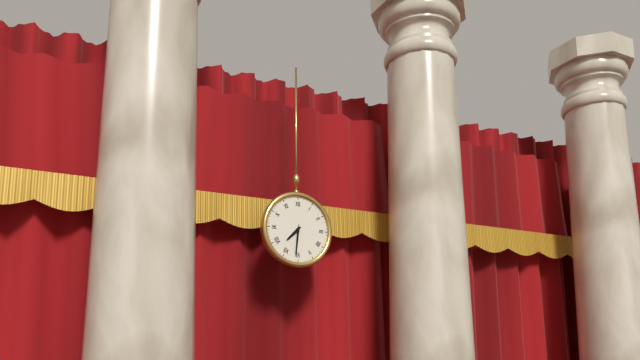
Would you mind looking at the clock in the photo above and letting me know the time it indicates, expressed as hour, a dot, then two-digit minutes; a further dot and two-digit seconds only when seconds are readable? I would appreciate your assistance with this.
7.31
